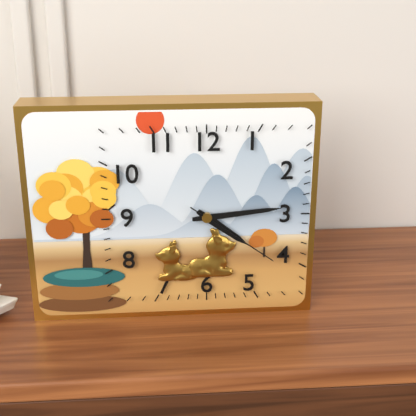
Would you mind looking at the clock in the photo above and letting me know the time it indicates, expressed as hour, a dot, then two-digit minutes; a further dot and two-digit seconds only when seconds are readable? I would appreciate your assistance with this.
4.14.21
